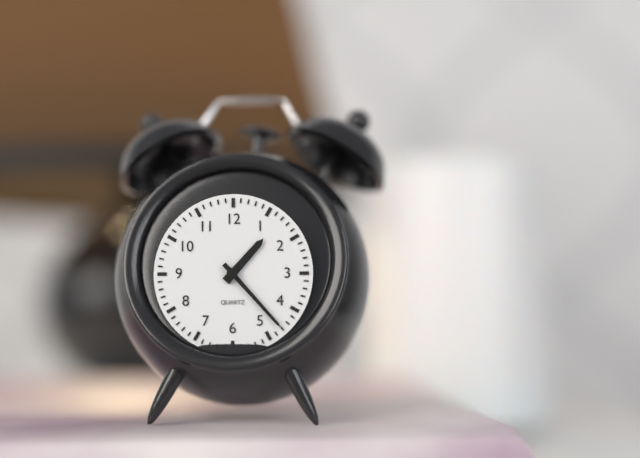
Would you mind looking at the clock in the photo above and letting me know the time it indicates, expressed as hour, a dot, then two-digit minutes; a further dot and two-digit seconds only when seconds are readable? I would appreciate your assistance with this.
1.23
